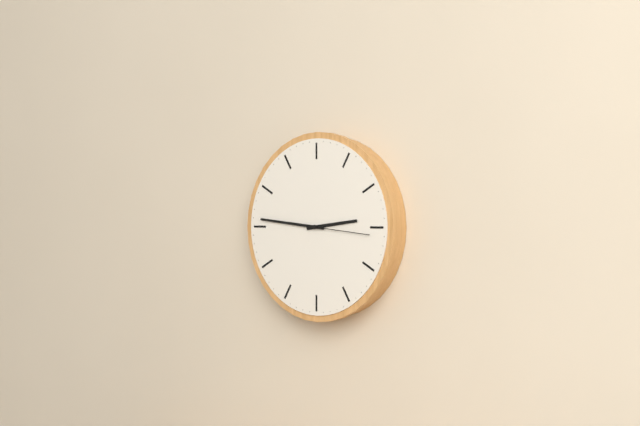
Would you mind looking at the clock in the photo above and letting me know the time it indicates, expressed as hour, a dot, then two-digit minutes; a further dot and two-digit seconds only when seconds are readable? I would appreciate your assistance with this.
2.46.16
